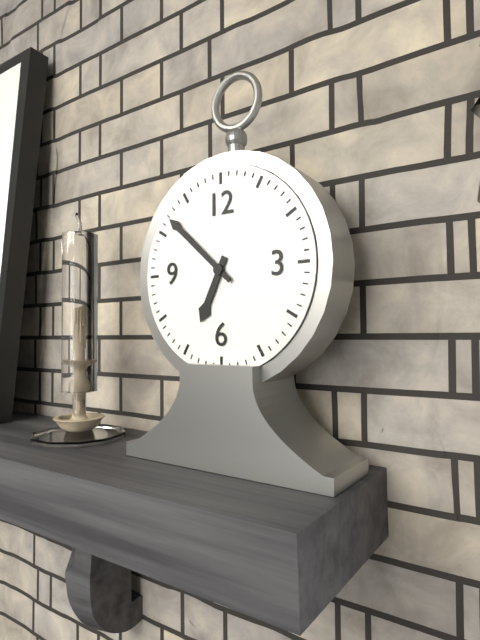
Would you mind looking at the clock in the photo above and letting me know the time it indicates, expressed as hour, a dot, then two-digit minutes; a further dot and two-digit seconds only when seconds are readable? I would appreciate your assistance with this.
6.52
